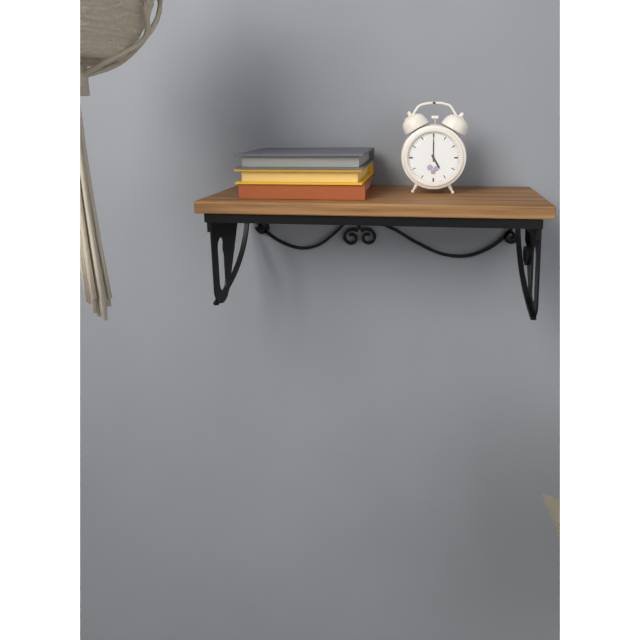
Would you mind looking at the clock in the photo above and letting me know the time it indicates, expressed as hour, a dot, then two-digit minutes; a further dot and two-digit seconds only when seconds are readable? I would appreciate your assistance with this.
5.00
